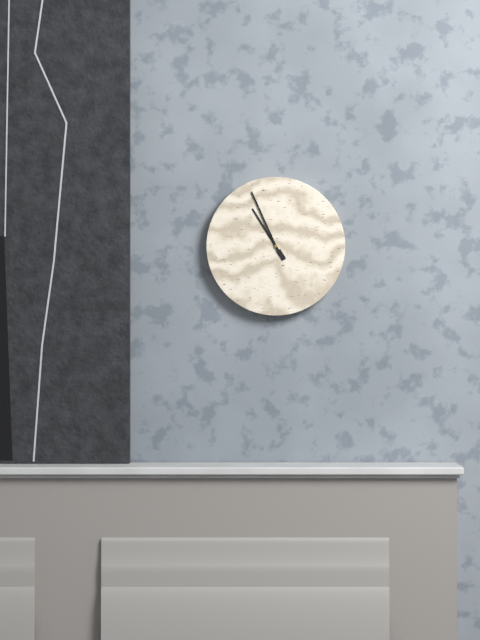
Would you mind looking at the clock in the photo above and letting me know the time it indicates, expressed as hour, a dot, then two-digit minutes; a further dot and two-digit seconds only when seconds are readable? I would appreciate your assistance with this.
10.56
